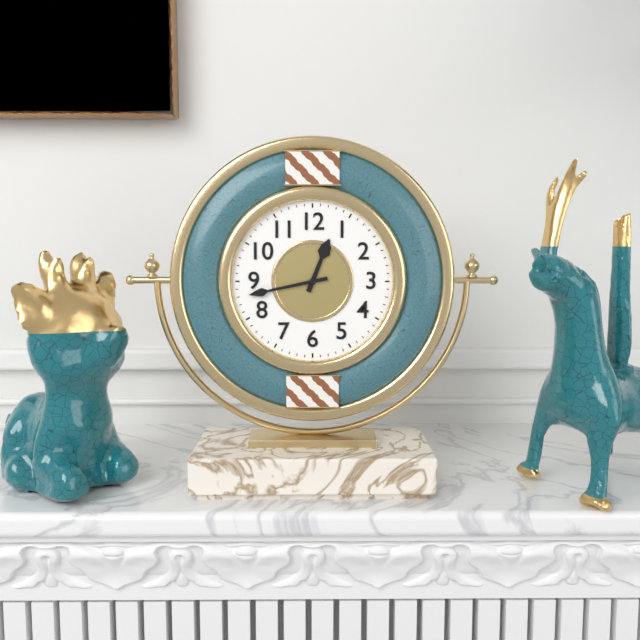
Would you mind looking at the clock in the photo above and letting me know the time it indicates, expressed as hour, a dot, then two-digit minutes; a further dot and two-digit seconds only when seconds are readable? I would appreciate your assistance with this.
12.43
